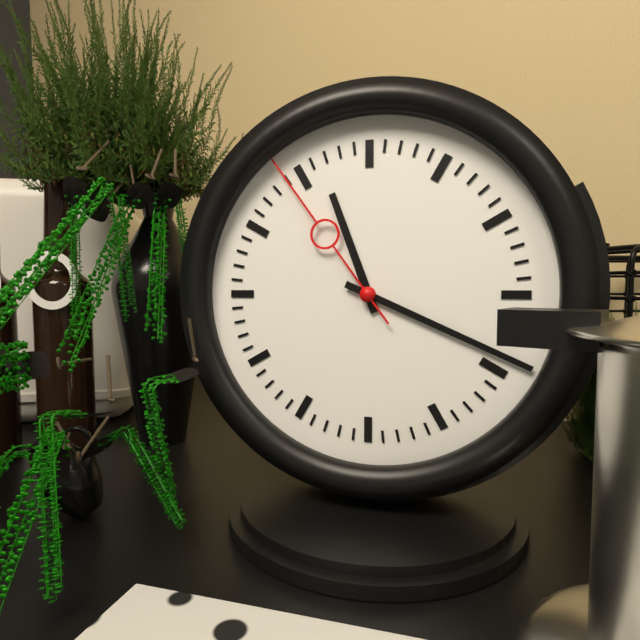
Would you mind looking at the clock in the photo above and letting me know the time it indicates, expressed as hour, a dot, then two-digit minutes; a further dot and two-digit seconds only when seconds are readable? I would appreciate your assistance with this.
11.19.54
